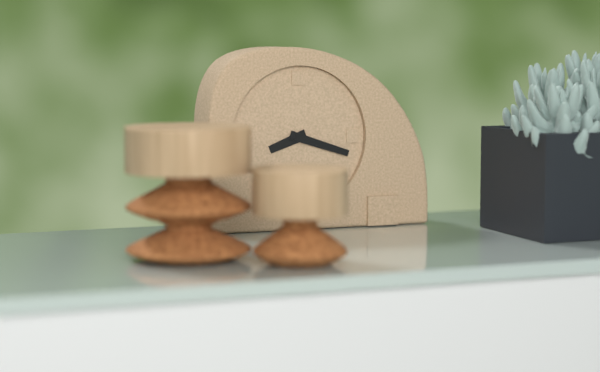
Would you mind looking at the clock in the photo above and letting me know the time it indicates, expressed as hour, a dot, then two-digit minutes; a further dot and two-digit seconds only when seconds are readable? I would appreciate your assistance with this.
8.18
